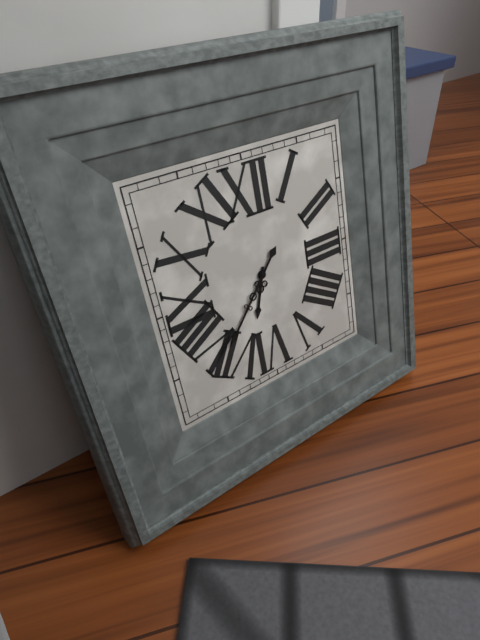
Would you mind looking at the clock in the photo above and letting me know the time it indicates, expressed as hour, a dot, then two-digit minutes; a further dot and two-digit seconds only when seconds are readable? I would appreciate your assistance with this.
6.37
